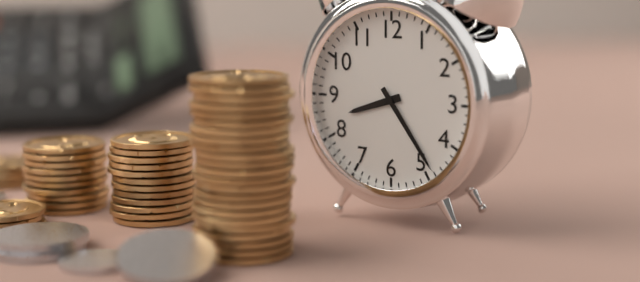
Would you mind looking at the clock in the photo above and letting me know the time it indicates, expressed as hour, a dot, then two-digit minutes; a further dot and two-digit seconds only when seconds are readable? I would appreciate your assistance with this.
8.24
